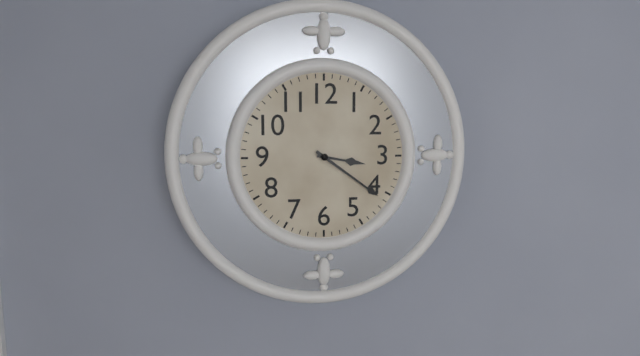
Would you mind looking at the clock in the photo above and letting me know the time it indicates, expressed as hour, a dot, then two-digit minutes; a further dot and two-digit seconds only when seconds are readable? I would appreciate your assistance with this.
3.21
